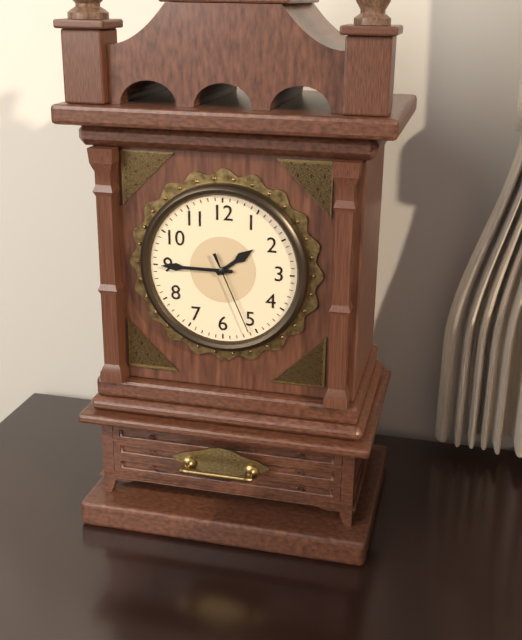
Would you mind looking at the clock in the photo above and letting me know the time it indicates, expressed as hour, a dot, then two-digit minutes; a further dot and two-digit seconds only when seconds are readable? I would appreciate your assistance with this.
1.45.26
